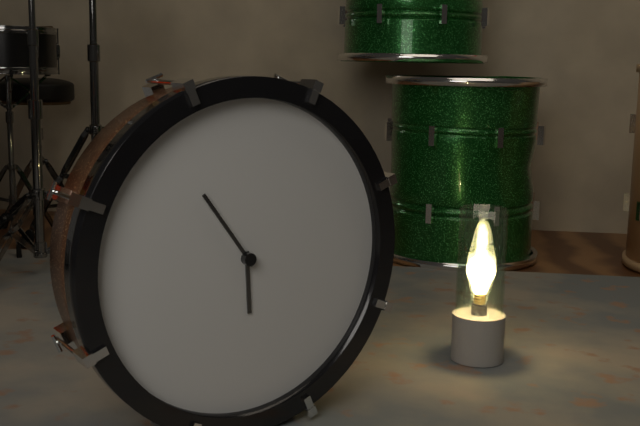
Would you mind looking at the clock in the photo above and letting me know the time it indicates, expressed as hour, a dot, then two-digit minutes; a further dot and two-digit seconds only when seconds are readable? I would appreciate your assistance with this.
5.54
